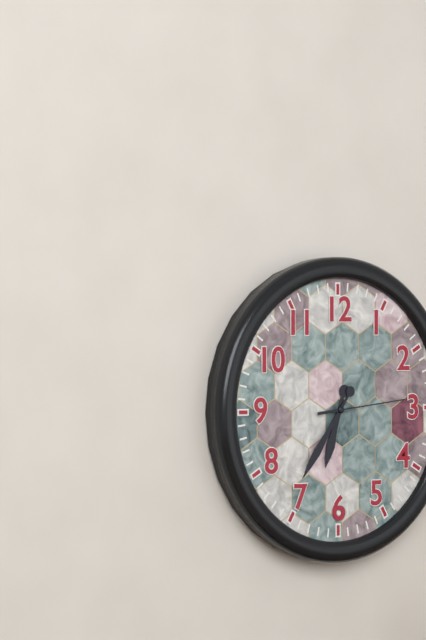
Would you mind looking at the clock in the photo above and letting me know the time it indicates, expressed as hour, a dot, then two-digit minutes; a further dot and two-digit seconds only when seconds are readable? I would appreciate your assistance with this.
6.36.14
